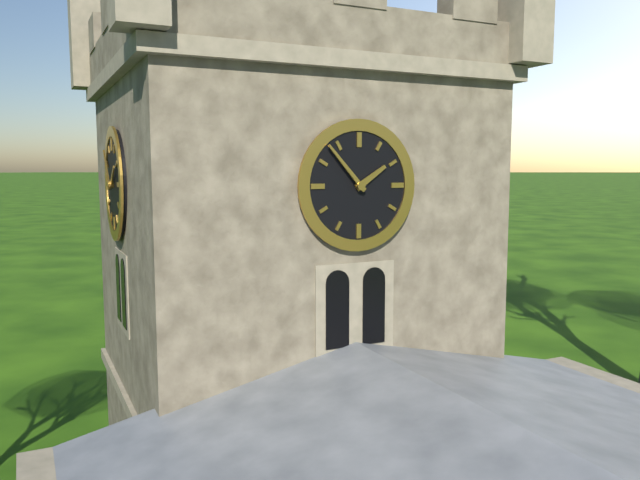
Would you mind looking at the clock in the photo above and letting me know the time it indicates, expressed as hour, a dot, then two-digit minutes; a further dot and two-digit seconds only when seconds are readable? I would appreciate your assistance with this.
1.53
